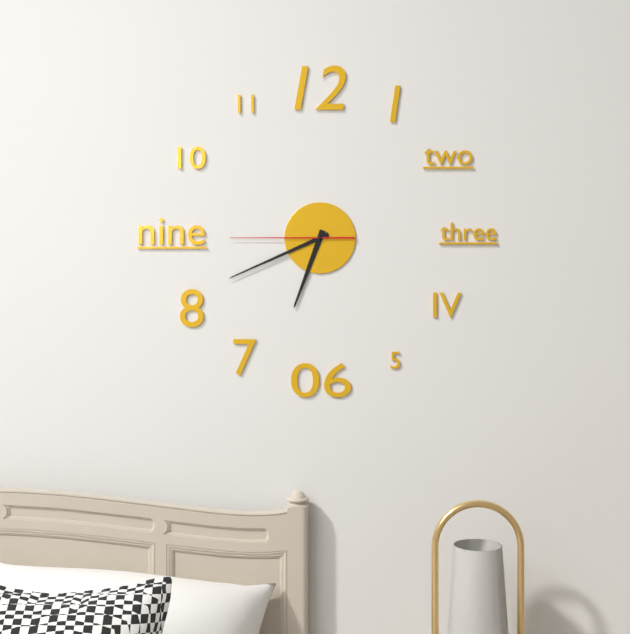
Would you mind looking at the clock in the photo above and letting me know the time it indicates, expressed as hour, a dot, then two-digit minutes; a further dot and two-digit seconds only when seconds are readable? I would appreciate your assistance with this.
6.41.45
